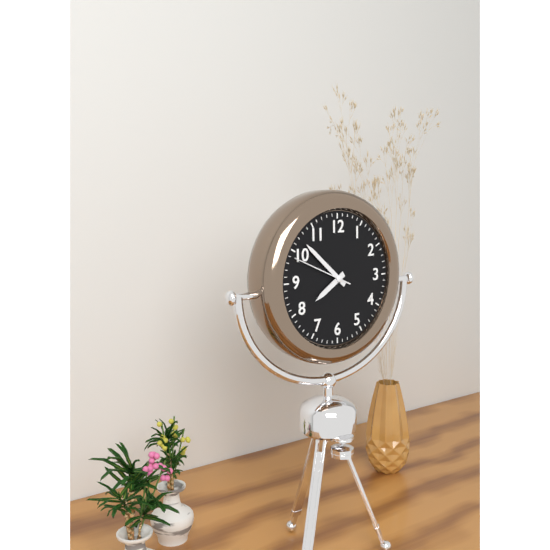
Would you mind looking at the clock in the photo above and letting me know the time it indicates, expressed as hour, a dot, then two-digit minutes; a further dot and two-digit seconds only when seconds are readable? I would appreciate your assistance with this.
7.52.49
